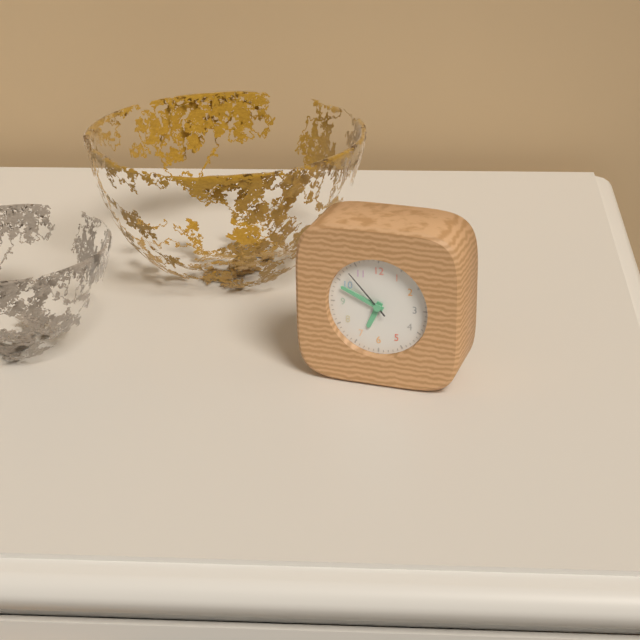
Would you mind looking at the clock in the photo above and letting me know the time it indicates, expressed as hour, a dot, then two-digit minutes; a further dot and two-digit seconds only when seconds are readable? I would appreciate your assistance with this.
6.49.53
